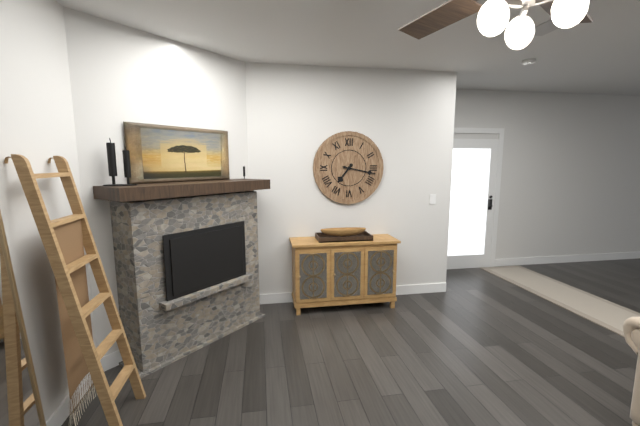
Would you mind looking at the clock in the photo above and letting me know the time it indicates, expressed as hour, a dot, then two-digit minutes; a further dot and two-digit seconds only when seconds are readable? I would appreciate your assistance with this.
7.17
